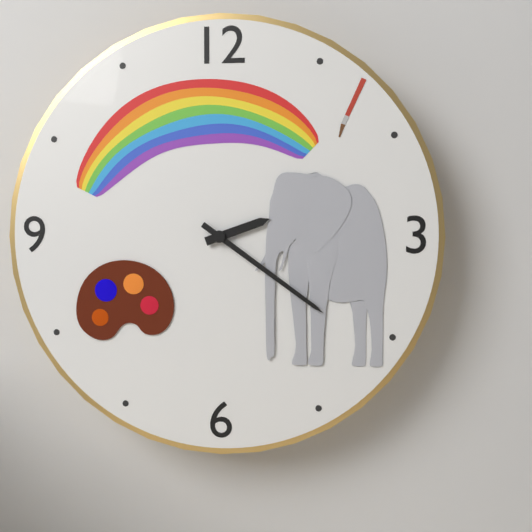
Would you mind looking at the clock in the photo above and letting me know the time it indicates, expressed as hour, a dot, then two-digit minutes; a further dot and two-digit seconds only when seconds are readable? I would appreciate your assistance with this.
2.21
